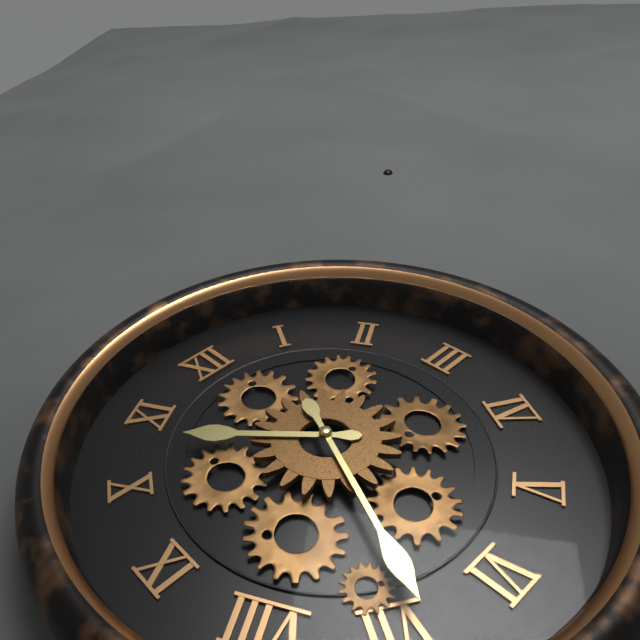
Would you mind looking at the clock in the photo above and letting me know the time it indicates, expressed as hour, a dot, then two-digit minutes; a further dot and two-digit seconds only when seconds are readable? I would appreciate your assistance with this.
10.34
